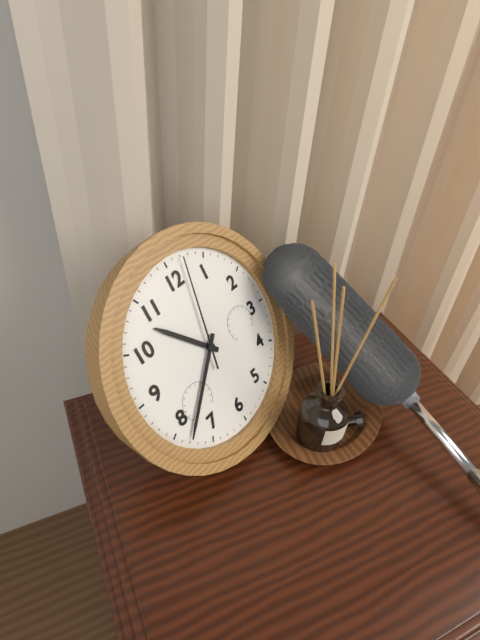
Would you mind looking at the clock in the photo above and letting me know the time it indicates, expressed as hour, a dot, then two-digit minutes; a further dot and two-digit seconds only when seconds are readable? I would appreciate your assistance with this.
10.38.02
